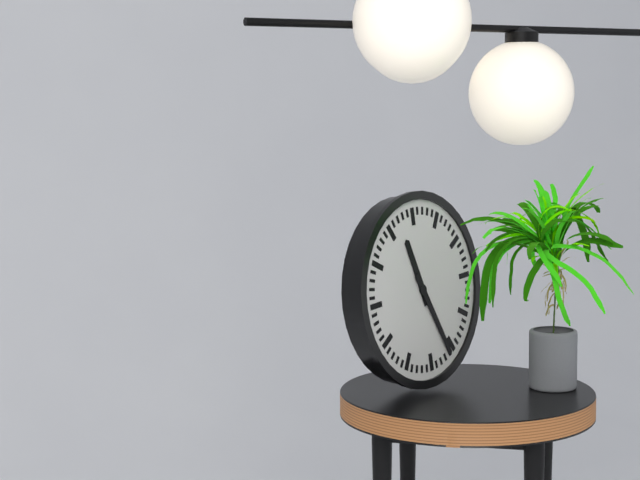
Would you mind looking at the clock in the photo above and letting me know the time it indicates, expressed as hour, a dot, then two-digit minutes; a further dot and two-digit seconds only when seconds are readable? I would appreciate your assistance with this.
11.26
